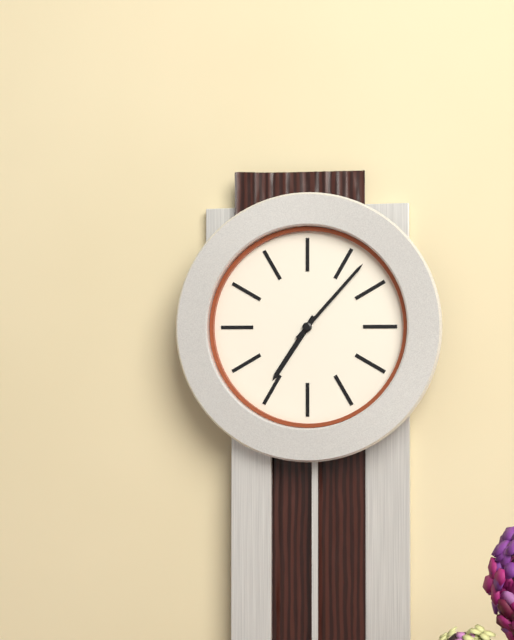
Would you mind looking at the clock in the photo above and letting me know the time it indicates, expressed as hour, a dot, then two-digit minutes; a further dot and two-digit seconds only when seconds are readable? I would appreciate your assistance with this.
7.07
